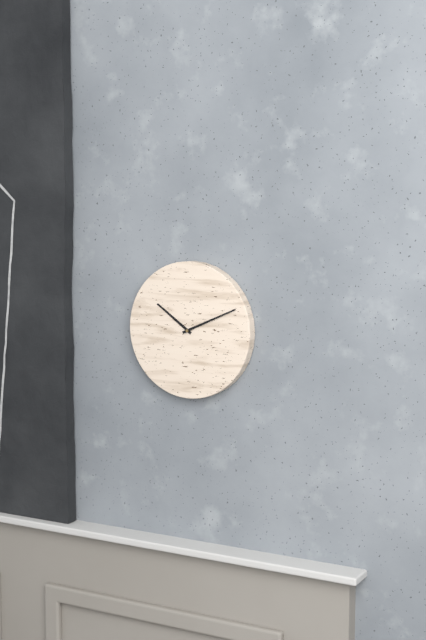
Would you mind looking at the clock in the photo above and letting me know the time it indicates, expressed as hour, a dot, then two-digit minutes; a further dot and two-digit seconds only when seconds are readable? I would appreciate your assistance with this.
10.11
